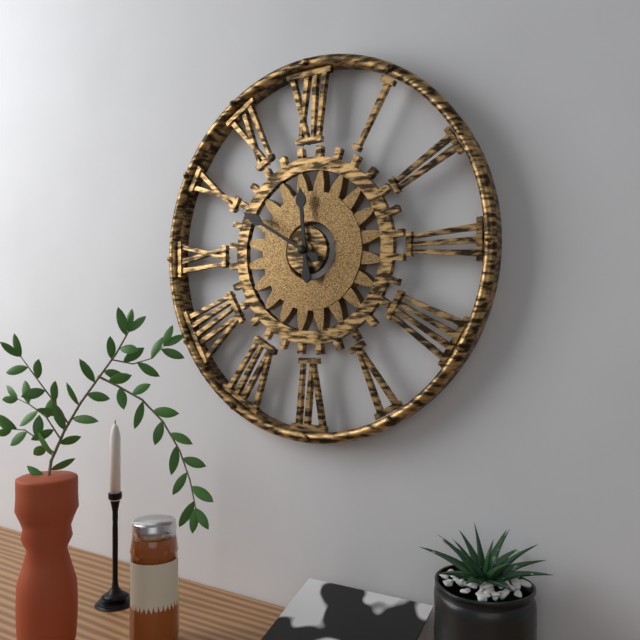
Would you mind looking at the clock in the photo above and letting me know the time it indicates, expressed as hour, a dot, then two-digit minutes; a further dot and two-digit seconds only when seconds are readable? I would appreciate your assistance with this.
11.50
